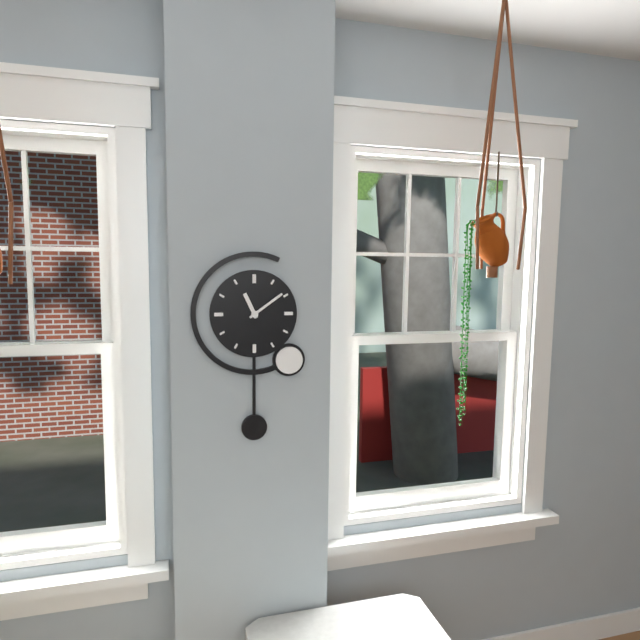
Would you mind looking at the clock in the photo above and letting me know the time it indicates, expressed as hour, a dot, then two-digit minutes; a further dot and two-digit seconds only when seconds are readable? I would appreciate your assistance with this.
11.09
